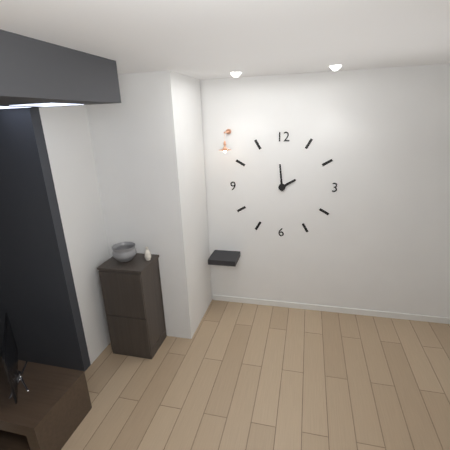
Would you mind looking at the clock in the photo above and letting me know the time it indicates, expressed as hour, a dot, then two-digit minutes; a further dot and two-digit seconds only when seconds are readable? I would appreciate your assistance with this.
1.59
